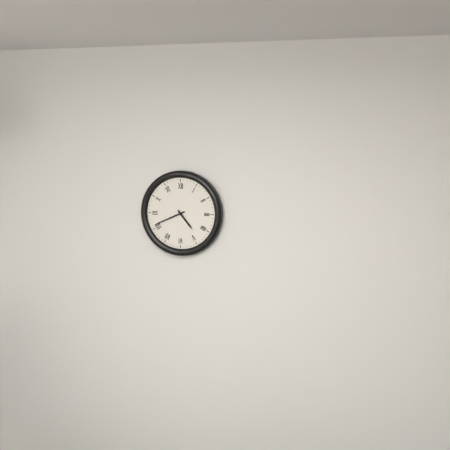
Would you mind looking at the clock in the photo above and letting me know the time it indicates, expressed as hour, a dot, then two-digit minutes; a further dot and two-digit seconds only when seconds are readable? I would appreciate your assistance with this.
4.41
